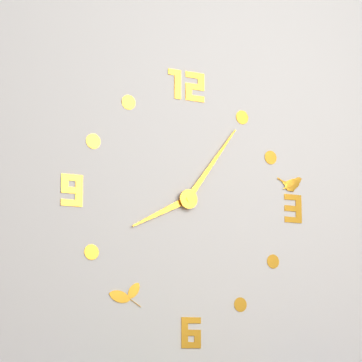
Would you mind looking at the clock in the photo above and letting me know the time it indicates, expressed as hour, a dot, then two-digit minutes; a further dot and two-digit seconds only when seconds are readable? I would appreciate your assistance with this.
8.06
